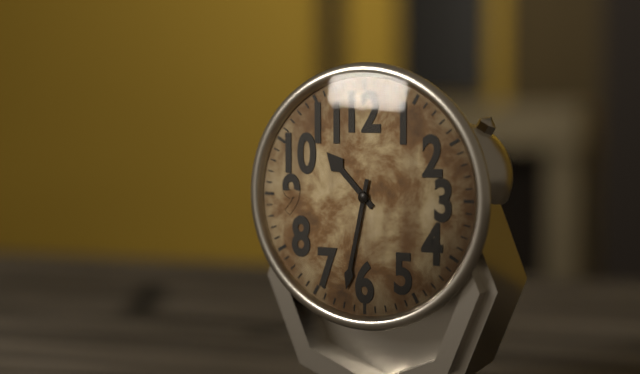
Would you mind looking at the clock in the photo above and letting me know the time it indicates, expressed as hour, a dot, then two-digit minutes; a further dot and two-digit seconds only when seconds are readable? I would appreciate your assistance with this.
10.32
